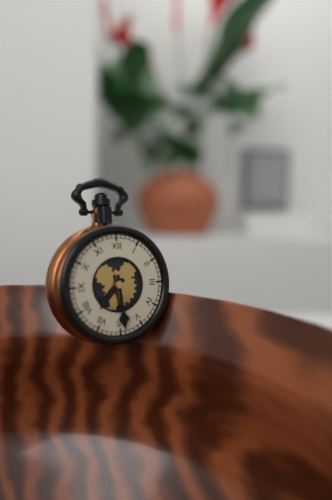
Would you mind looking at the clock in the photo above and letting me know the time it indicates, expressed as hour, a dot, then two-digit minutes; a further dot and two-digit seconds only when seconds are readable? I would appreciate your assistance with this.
7.29
